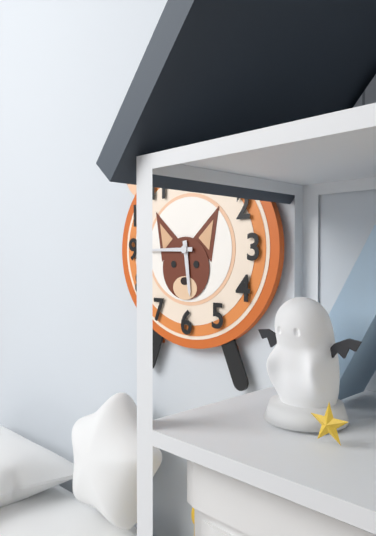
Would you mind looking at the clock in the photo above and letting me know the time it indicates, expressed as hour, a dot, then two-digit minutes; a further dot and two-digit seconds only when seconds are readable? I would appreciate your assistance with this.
5.45
